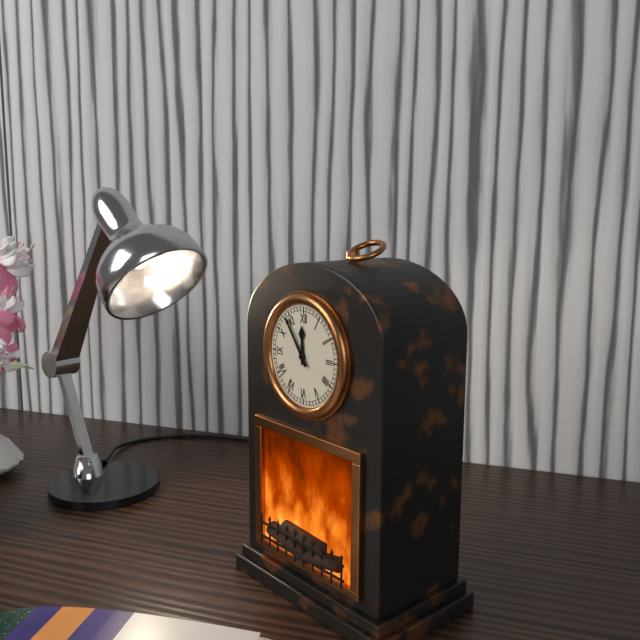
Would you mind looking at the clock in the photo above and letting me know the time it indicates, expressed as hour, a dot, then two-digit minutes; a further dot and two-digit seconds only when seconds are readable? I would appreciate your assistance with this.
11.54
